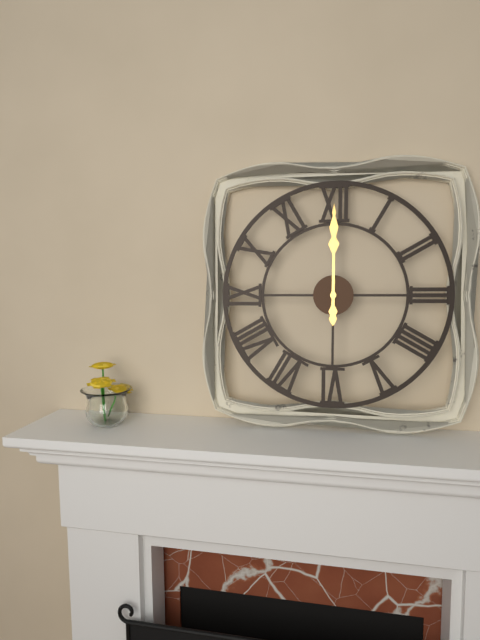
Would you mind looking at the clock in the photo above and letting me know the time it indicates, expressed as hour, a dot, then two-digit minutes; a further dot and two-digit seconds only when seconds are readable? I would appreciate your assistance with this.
12.00
